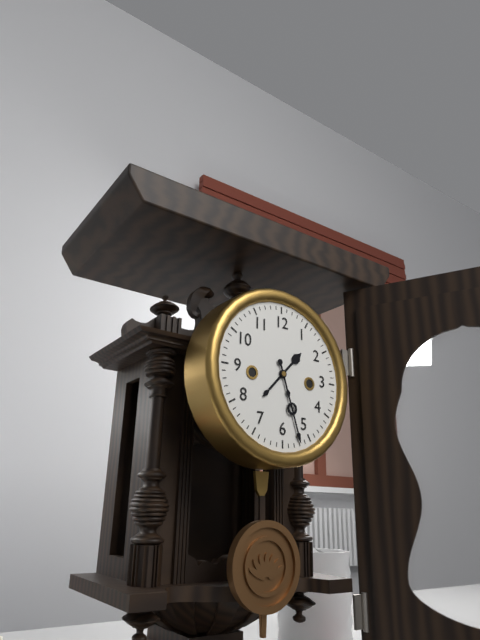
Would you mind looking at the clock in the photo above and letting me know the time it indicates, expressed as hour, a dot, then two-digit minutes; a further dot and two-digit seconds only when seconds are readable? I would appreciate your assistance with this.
1.27
